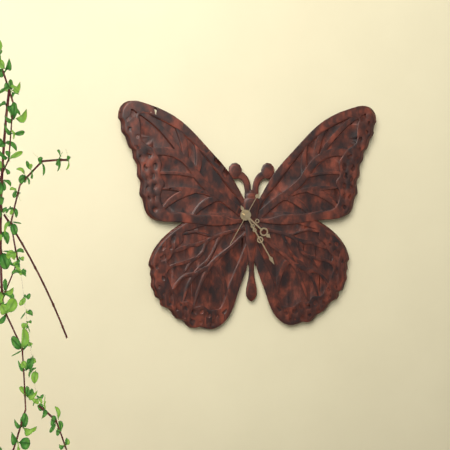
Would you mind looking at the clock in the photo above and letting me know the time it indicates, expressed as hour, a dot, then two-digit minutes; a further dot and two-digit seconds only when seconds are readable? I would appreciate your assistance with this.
4.25
